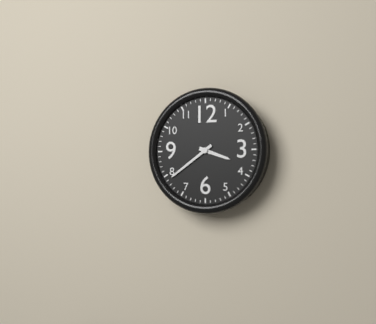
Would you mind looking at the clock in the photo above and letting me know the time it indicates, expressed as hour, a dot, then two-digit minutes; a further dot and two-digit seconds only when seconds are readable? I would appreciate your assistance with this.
3.39
